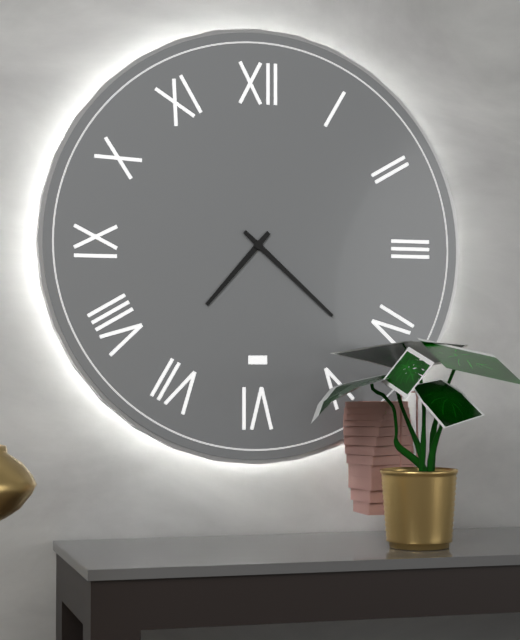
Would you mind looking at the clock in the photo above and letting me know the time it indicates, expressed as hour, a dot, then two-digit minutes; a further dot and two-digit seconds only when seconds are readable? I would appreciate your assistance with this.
7.22
